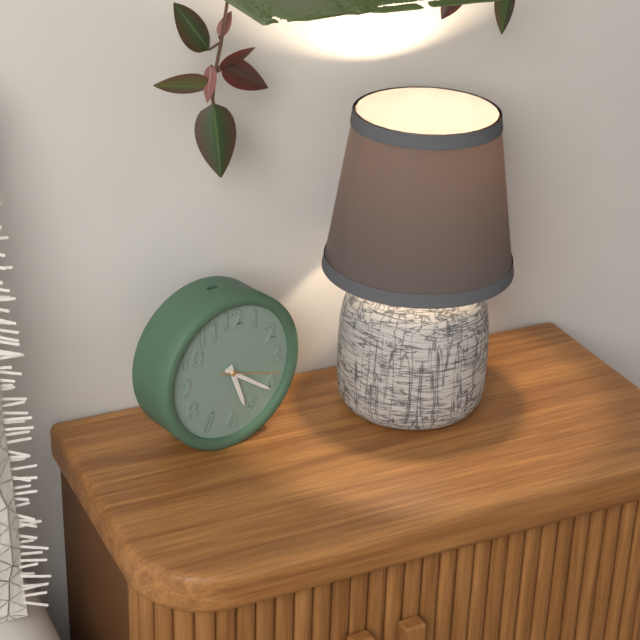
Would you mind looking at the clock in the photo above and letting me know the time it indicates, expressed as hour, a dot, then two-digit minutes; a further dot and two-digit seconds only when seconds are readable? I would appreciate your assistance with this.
5.21.18
